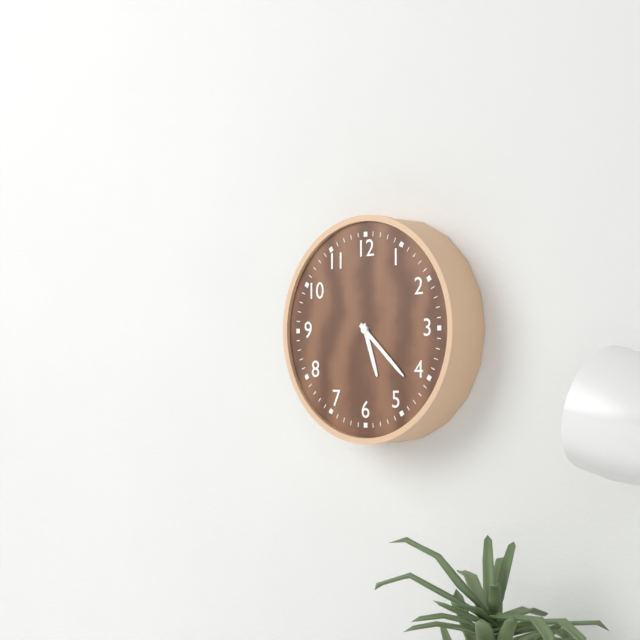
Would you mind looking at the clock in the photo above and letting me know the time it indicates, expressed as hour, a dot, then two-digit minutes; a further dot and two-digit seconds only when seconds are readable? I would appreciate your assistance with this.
5.22
